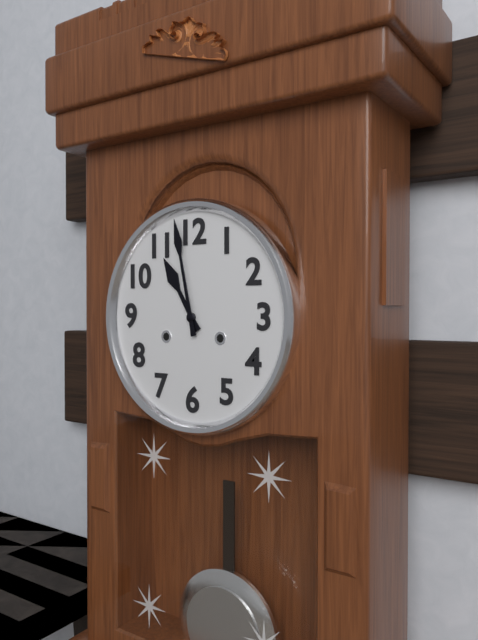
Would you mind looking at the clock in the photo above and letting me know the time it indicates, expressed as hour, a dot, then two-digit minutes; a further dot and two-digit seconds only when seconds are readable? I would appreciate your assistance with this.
10.58
